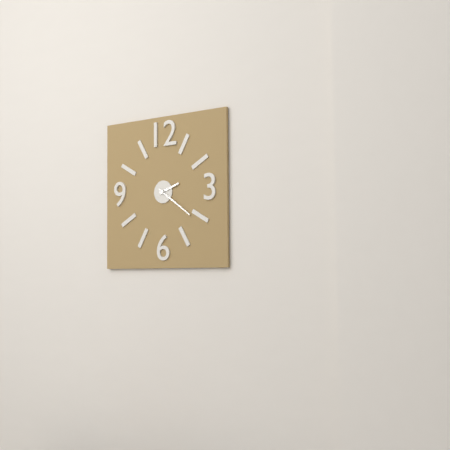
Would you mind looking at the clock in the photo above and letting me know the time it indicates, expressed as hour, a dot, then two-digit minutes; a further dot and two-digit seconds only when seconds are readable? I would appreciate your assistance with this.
2.21
